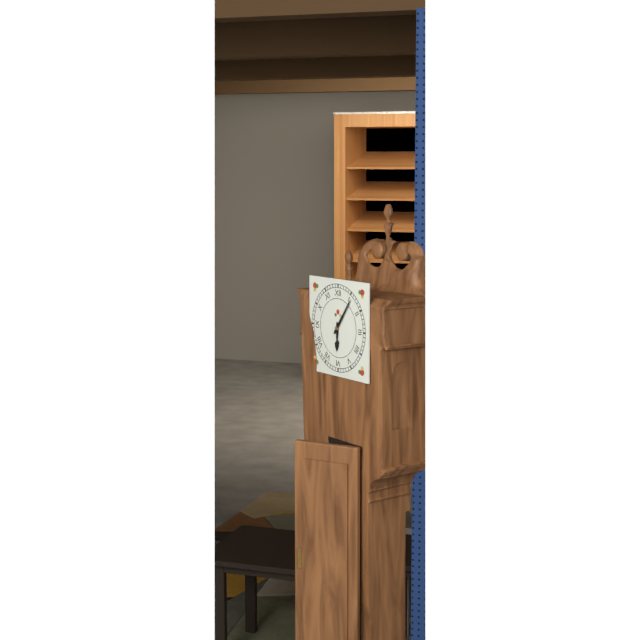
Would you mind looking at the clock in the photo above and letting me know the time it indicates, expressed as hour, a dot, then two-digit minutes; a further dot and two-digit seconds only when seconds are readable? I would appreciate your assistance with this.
6.06
